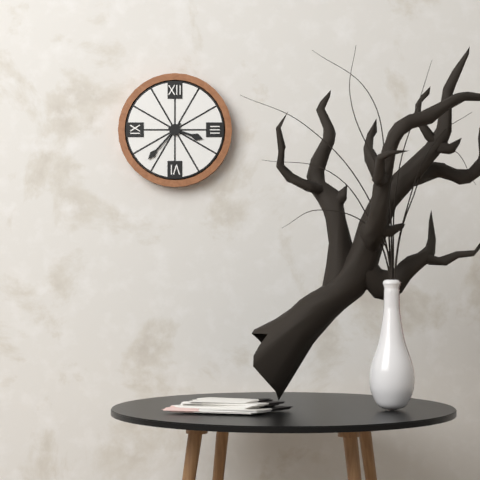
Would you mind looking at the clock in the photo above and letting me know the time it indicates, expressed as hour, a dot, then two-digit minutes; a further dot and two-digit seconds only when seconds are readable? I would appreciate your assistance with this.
3.37
